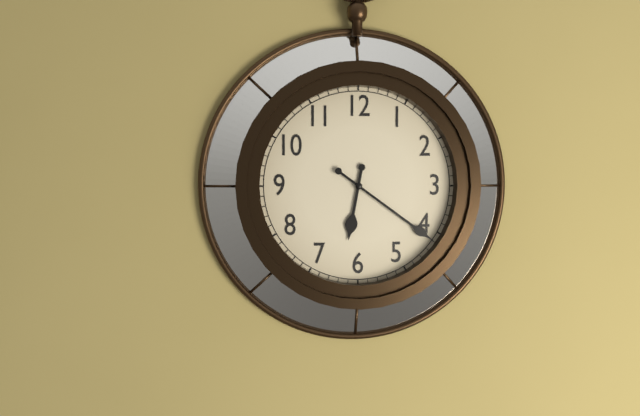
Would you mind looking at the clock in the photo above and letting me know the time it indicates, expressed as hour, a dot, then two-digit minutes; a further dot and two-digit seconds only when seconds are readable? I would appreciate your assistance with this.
6.21
